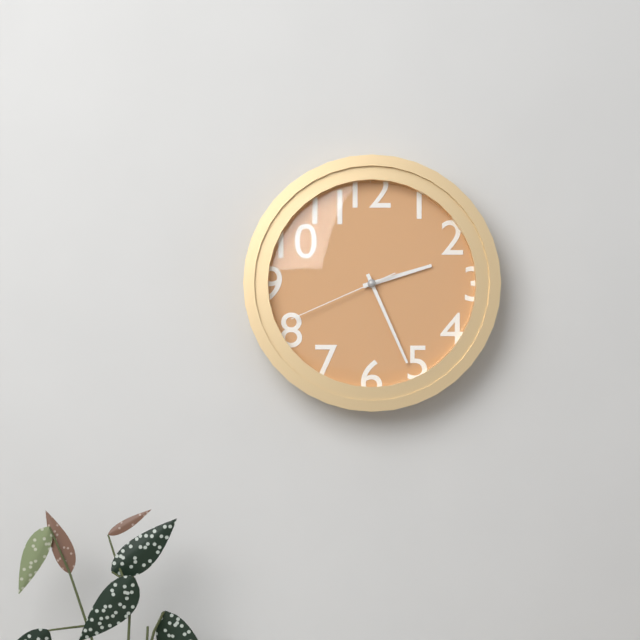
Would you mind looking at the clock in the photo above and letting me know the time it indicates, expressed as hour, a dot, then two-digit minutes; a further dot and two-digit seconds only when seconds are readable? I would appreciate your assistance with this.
2.26.41
